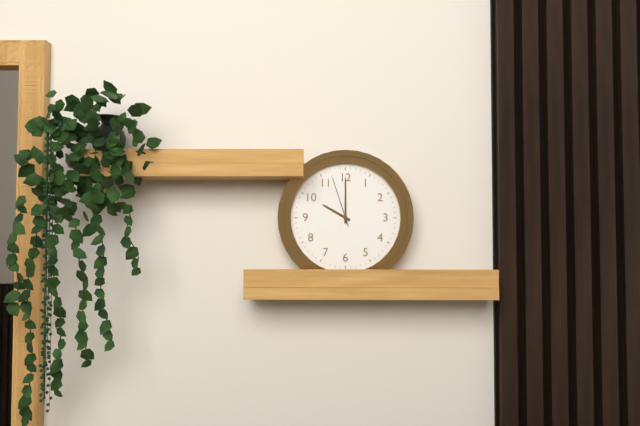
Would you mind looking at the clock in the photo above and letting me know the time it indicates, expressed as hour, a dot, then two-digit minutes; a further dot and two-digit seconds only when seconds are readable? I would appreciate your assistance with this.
10.00.57
